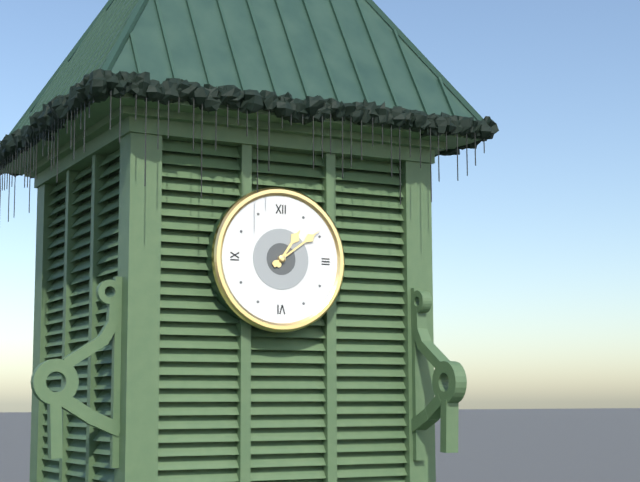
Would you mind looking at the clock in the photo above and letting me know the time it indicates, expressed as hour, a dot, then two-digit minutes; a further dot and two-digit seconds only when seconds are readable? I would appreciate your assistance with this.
1.09
